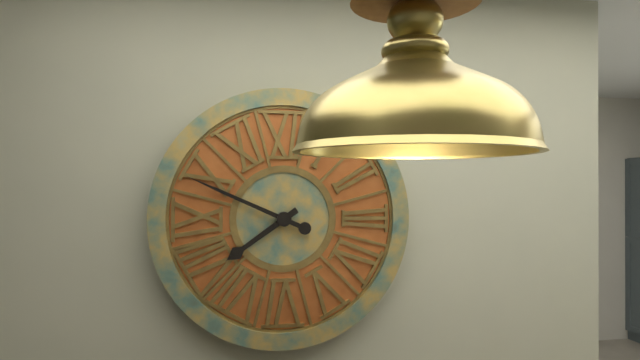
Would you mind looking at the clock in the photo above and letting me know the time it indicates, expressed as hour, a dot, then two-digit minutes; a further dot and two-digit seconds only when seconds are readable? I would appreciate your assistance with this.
7.49
